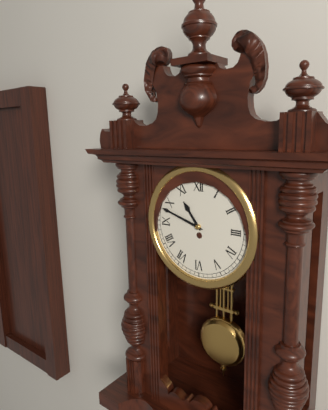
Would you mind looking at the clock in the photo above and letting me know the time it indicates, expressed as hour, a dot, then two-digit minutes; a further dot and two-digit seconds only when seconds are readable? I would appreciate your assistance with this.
10.48
